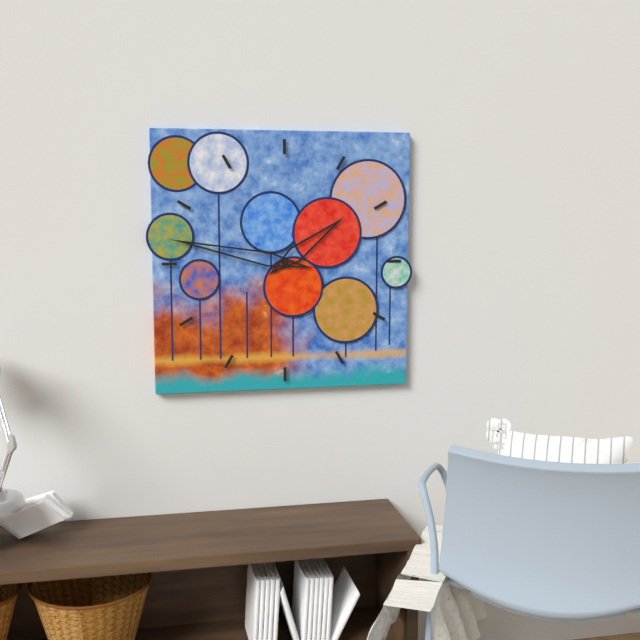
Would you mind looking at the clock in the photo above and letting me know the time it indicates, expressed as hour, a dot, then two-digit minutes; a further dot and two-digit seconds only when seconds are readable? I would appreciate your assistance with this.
1.47
